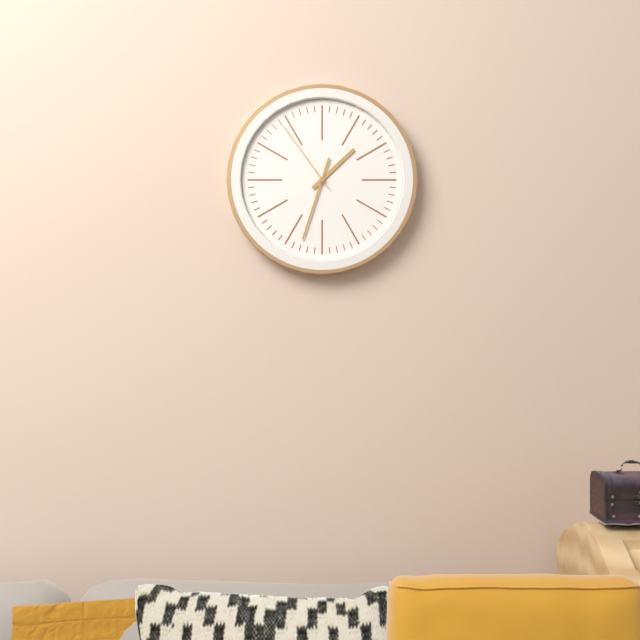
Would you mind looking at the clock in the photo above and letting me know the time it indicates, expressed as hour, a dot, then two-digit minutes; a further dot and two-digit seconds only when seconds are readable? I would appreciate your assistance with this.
1.33.54
